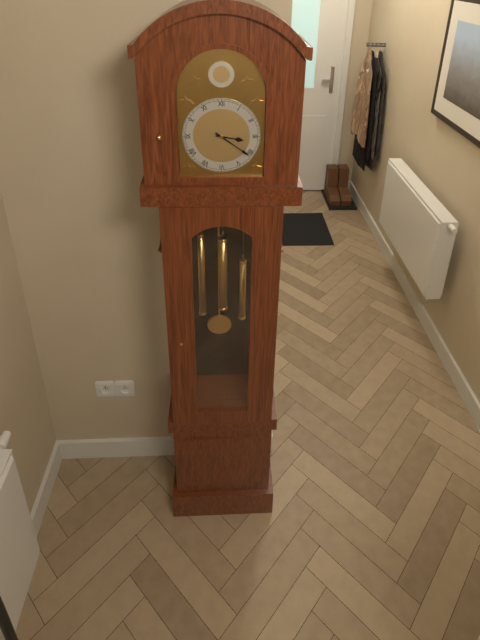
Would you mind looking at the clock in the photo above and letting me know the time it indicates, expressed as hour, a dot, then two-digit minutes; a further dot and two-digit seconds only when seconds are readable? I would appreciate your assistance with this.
3.21
